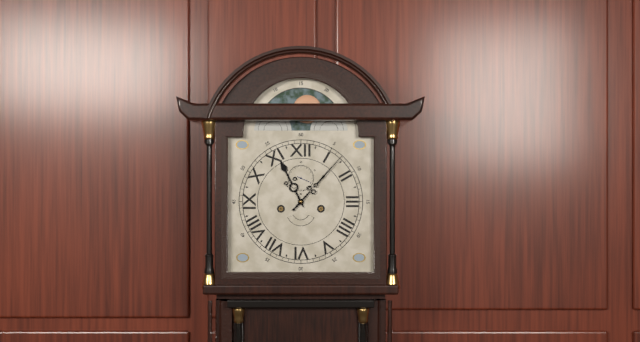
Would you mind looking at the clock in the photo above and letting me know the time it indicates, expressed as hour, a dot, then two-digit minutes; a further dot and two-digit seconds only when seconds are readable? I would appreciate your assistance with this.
11.07
